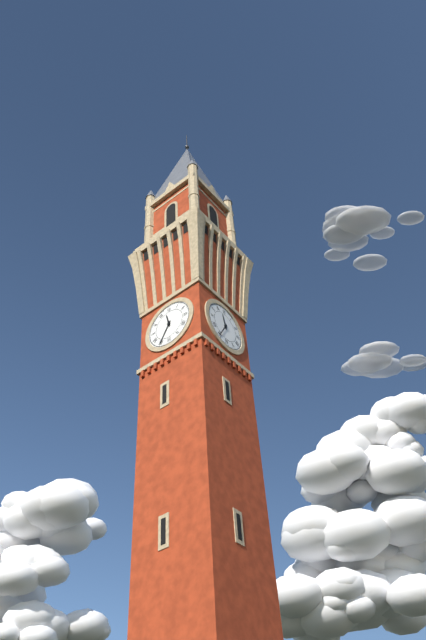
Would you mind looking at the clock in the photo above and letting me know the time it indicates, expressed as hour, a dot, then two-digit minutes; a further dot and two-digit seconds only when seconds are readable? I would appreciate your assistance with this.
11.35
